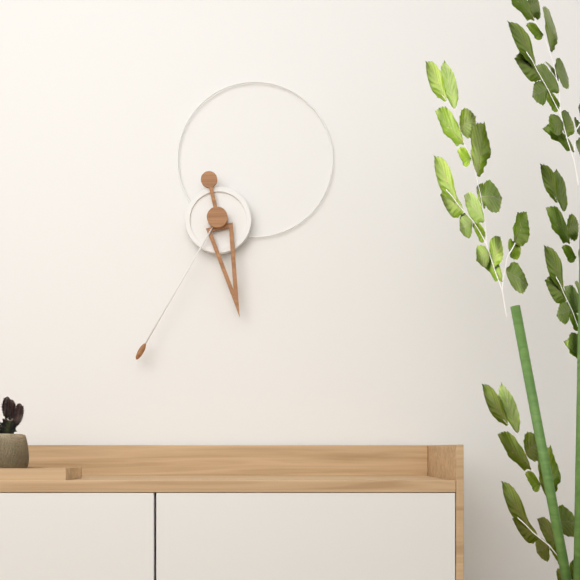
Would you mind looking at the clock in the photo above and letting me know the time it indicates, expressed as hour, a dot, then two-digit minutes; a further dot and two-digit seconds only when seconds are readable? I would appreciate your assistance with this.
5.35
